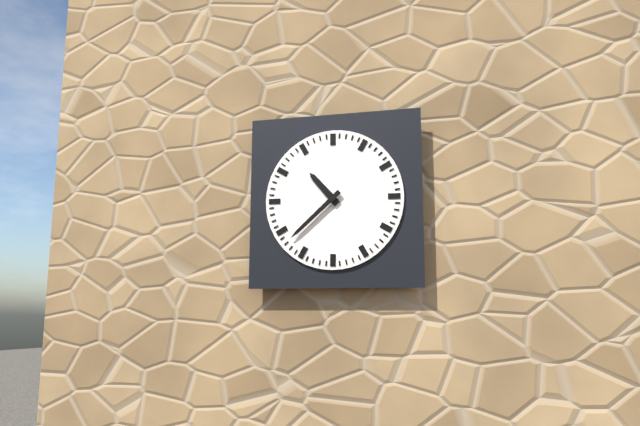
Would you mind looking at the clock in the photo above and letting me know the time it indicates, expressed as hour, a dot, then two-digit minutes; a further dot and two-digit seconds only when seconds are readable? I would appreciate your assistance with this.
10.38
